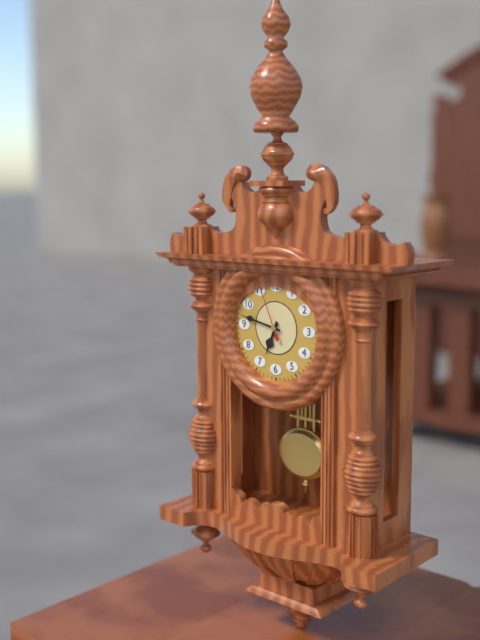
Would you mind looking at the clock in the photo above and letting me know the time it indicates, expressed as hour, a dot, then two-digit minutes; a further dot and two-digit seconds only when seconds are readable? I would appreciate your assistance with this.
6.47.56
